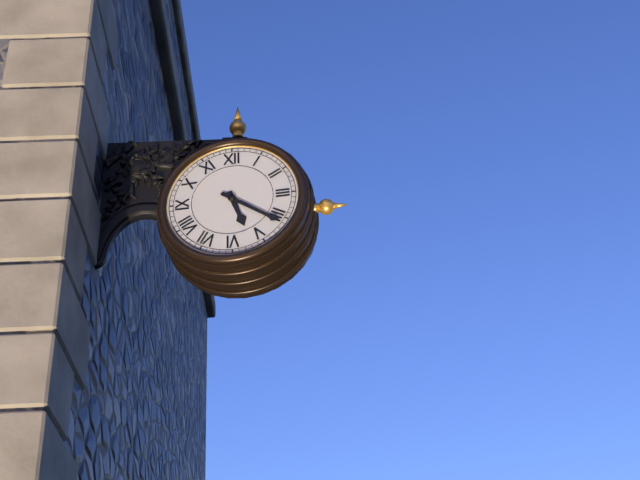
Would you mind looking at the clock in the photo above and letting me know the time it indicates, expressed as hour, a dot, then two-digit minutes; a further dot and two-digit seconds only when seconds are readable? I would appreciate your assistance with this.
5.21
